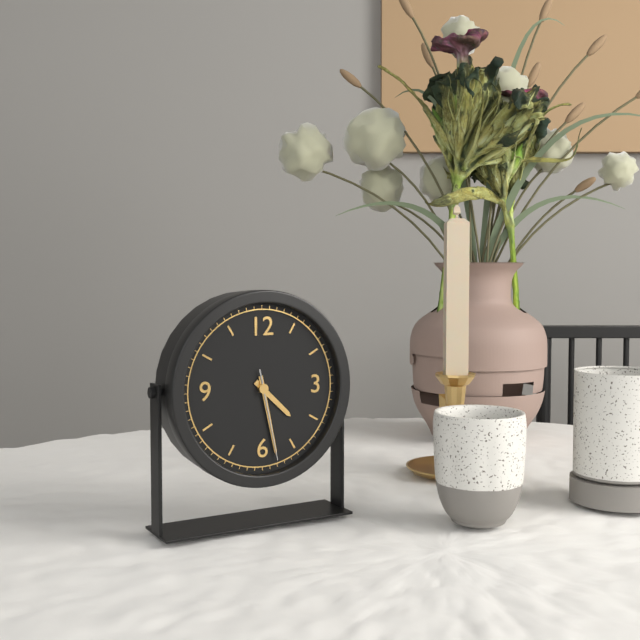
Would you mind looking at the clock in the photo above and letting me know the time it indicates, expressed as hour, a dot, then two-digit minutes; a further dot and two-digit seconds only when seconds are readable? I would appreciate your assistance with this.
4.28.28
